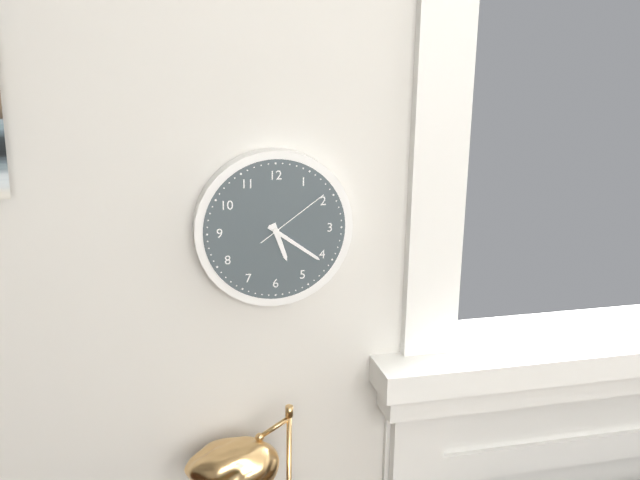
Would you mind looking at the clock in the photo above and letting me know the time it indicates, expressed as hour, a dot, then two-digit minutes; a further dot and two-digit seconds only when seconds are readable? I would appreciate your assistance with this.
5.21.09
